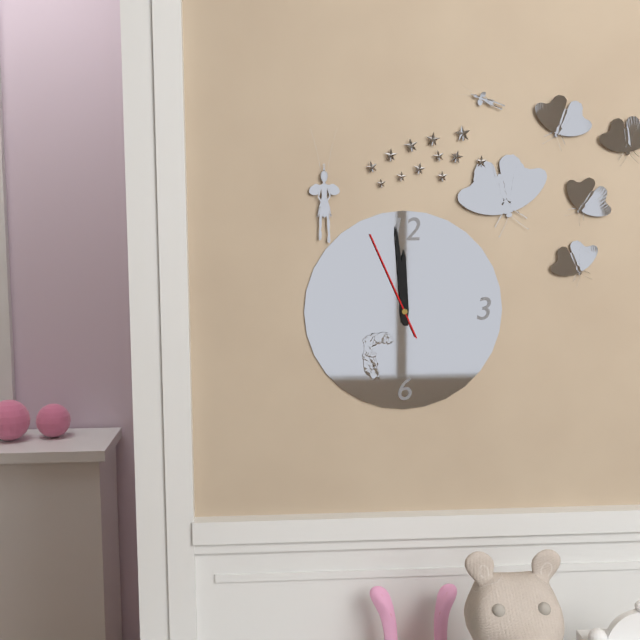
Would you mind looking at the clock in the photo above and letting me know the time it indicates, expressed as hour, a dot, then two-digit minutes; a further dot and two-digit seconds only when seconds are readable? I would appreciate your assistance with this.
11.59.56
